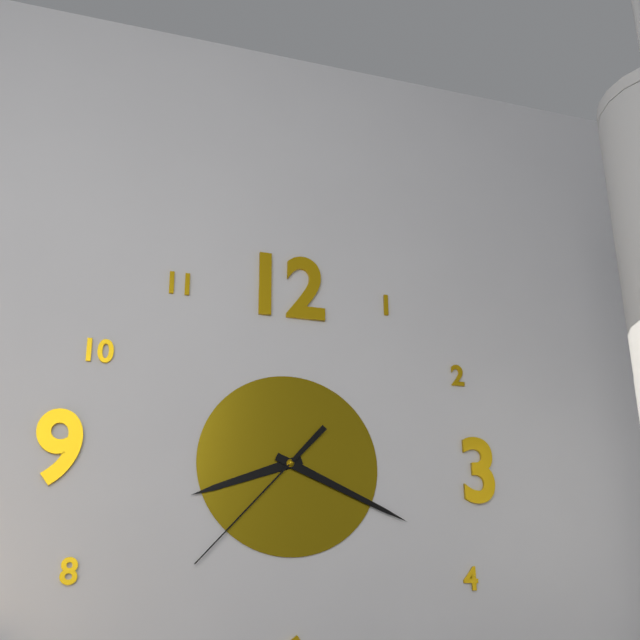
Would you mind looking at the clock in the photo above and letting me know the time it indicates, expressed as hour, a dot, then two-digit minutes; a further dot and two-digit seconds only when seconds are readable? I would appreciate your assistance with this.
8.19.37
